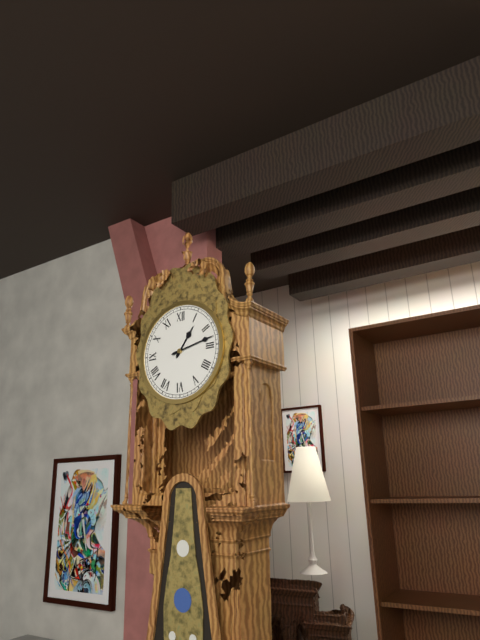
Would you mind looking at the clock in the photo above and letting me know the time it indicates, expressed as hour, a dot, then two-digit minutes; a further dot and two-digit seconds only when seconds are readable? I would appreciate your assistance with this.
1.13
